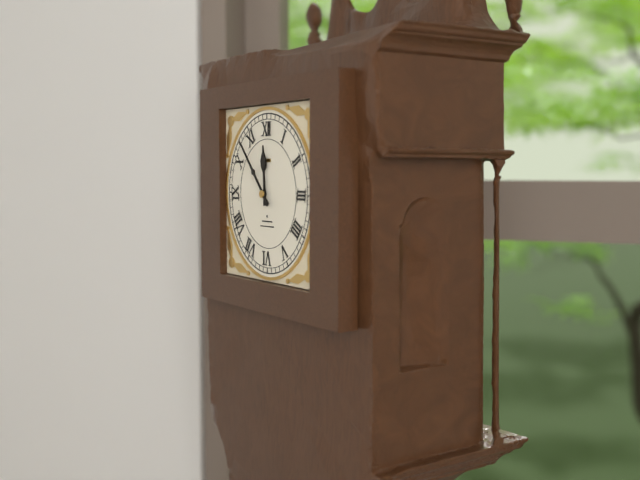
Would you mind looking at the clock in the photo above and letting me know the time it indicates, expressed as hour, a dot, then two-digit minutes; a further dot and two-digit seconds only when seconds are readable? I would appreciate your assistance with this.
11.53
